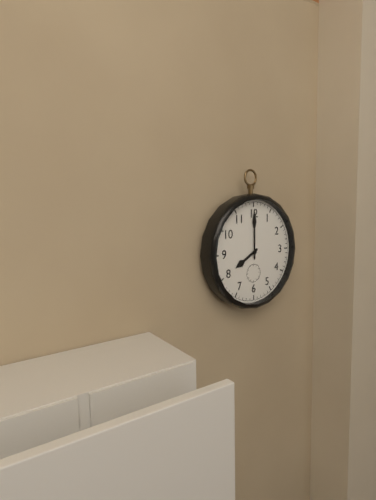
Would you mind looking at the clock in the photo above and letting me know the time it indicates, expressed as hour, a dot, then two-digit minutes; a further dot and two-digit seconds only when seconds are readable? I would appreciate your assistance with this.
8.00
